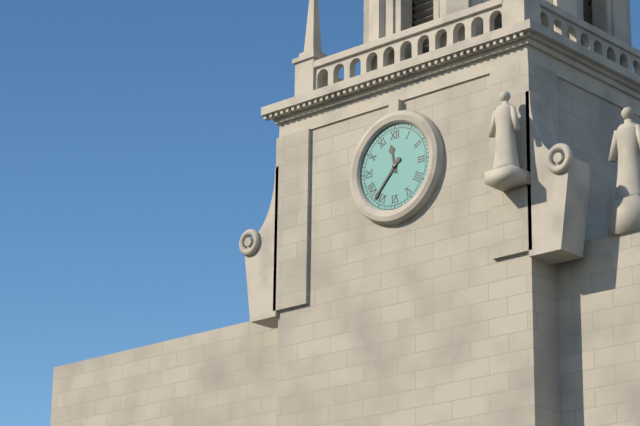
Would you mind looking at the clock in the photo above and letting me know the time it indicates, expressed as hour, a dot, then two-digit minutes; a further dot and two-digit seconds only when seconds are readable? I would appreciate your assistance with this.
11.37
